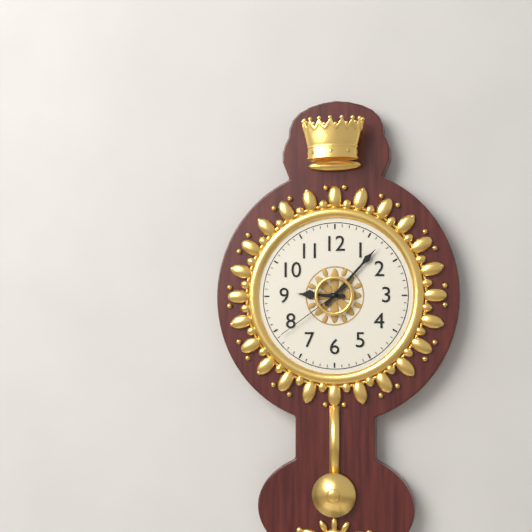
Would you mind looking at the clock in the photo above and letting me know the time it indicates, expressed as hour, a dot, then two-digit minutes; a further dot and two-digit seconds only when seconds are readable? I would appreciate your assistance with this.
9.07.39
